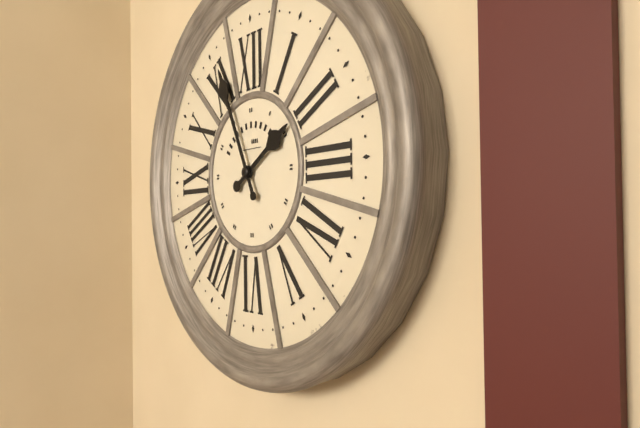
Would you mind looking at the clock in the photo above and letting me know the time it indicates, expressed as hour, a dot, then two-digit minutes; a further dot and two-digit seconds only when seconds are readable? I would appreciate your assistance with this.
1.56
